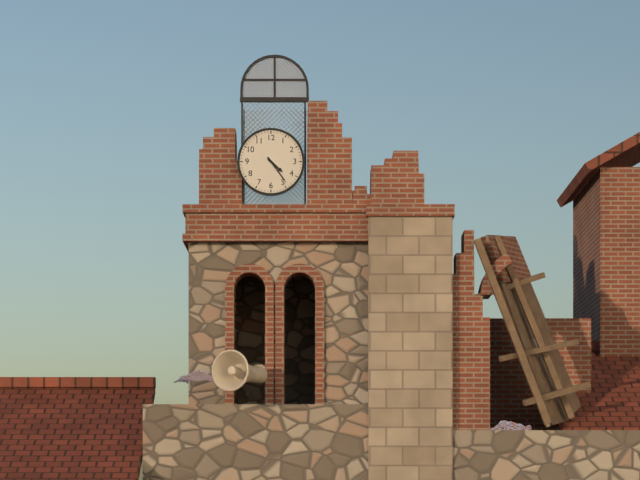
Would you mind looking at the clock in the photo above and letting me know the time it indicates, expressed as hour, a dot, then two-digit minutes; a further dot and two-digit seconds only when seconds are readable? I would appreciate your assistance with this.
4.24
